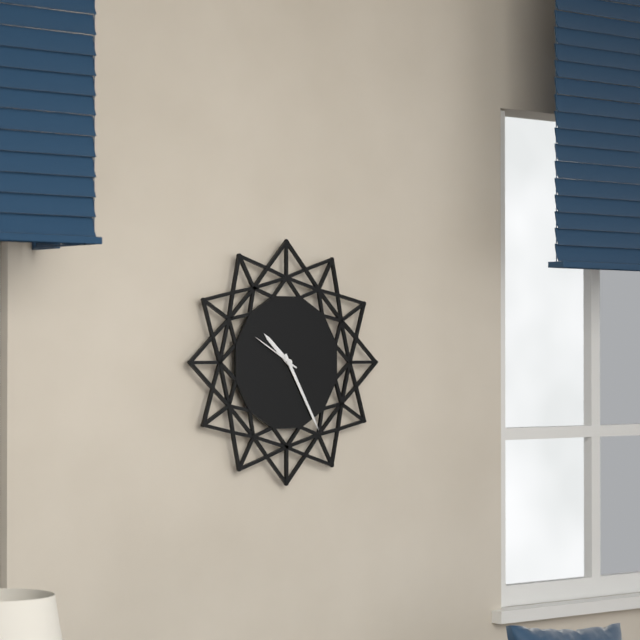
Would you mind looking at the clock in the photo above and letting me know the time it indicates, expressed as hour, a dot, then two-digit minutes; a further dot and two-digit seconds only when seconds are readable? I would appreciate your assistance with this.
10.25
